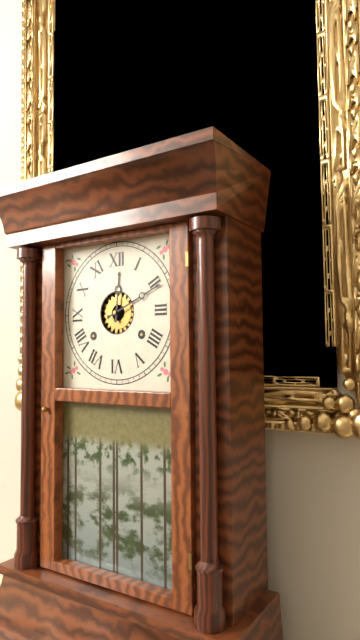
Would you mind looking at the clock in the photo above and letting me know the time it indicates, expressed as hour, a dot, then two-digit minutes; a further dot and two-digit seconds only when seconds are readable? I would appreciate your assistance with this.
12.11
